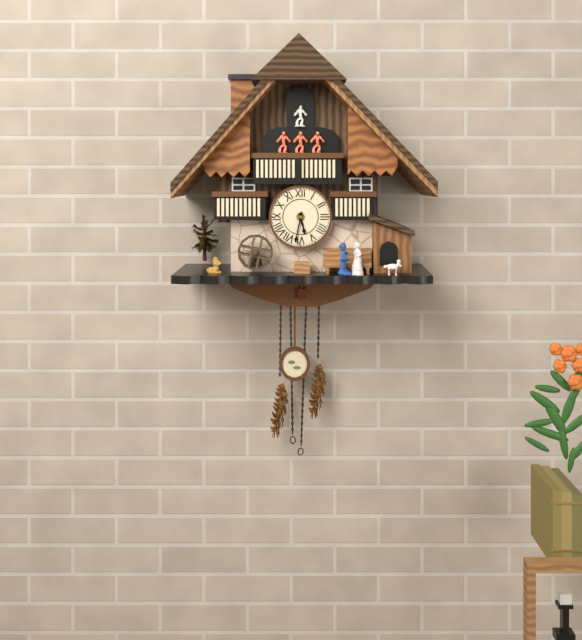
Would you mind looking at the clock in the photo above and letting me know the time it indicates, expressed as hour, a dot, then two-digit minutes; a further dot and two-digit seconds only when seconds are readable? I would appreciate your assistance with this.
5.32
